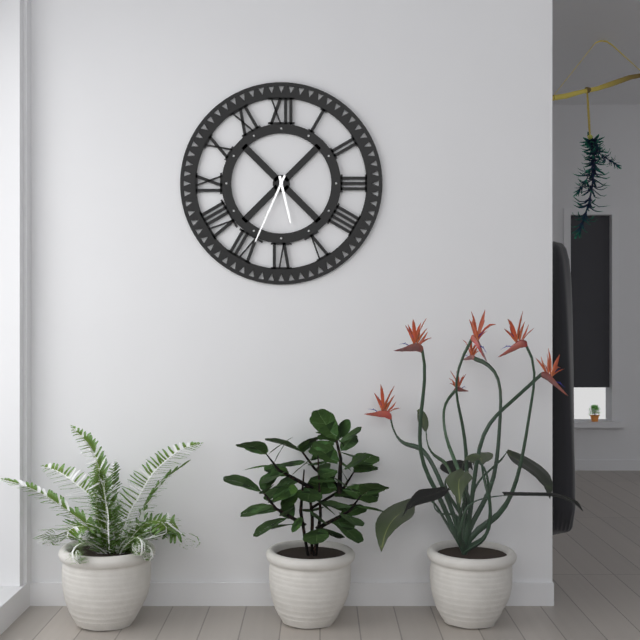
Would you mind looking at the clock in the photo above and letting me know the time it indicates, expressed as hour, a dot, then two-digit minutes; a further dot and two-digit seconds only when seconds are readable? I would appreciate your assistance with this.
5.34
